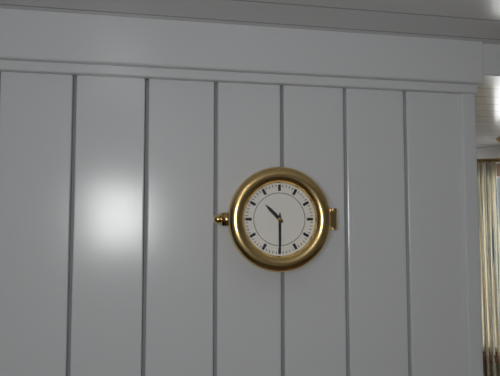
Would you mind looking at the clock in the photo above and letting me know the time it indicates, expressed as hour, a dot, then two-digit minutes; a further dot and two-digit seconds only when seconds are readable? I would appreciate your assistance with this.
10.30
